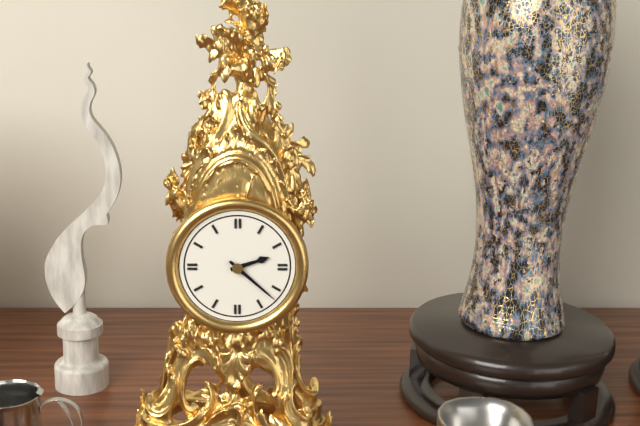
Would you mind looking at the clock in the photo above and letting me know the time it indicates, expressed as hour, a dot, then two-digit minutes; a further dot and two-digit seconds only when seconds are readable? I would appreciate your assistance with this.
2.22
